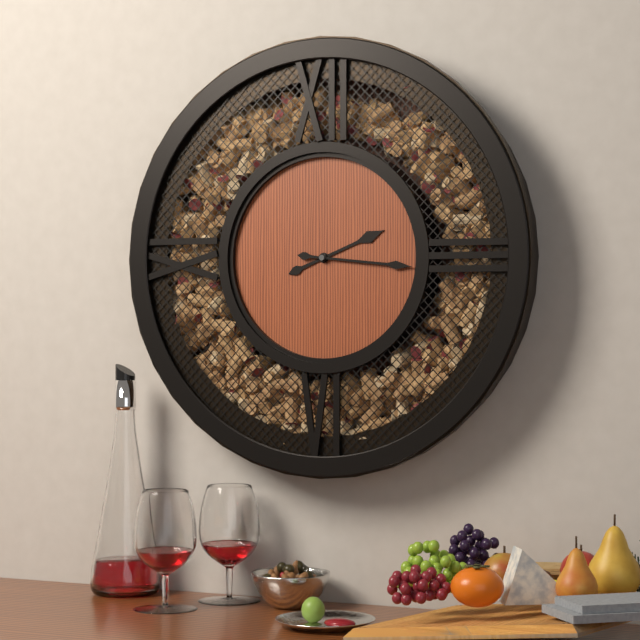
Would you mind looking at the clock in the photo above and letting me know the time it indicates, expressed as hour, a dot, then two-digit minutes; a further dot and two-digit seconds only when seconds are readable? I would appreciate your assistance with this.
2.16
